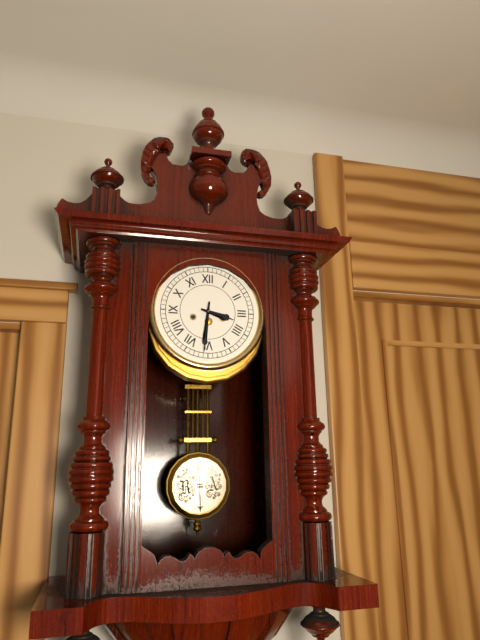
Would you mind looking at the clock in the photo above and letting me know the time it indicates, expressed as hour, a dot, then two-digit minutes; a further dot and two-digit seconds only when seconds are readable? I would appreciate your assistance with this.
3.31
